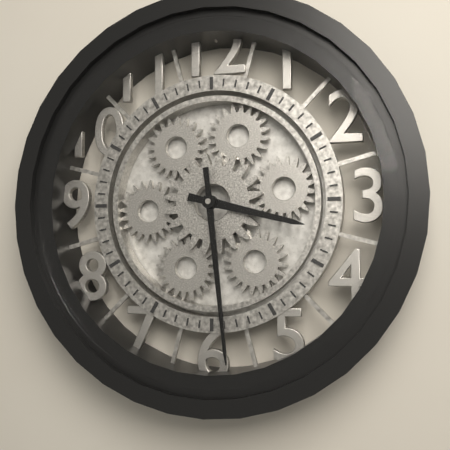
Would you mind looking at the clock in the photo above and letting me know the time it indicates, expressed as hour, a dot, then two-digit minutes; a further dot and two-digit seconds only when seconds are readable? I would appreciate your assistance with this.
3.29
